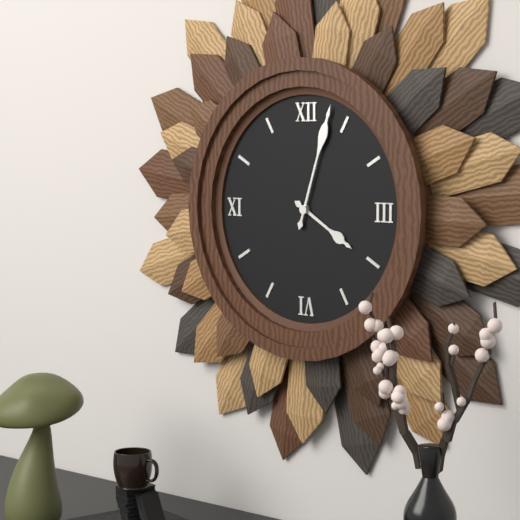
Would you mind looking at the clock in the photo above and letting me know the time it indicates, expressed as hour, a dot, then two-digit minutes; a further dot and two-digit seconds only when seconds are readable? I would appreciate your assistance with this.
4.03
